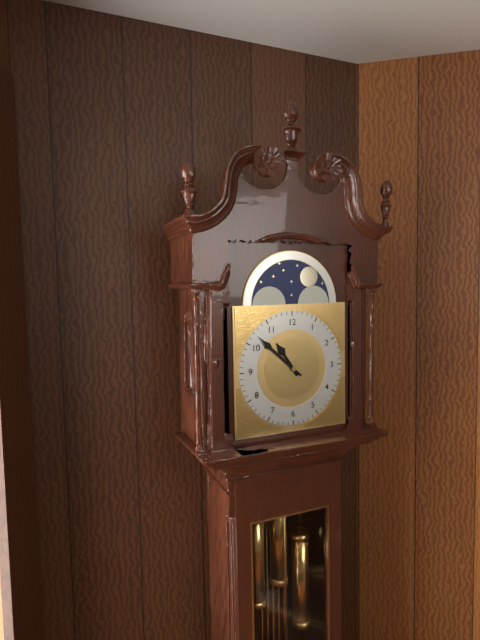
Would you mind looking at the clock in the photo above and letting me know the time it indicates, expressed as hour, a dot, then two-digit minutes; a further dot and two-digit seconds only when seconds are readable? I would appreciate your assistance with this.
10.52
